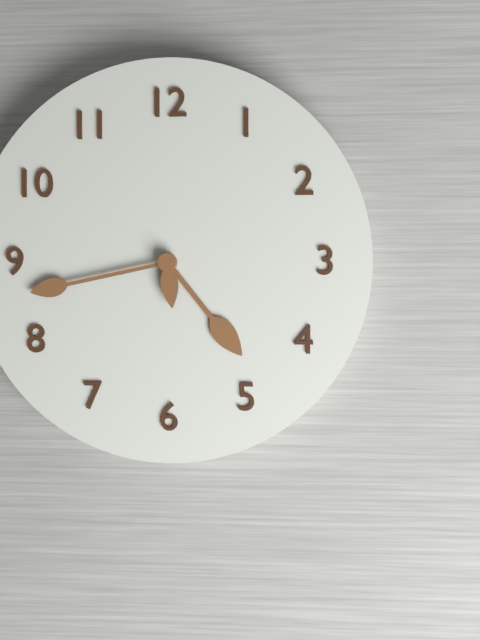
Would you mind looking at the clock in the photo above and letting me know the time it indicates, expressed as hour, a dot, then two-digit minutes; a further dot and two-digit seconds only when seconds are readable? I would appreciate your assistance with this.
4.43.29
